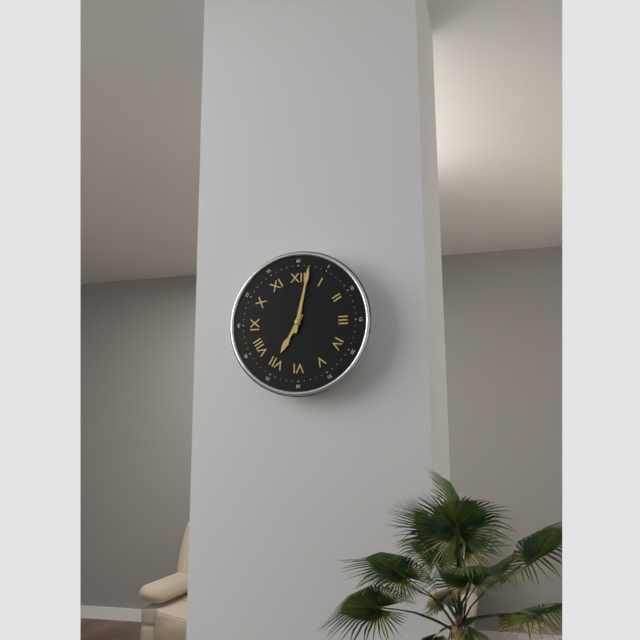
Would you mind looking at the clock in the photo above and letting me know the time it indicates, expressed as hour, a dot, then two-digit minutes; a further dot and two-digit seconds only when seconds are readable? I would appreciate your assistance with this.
7.02
